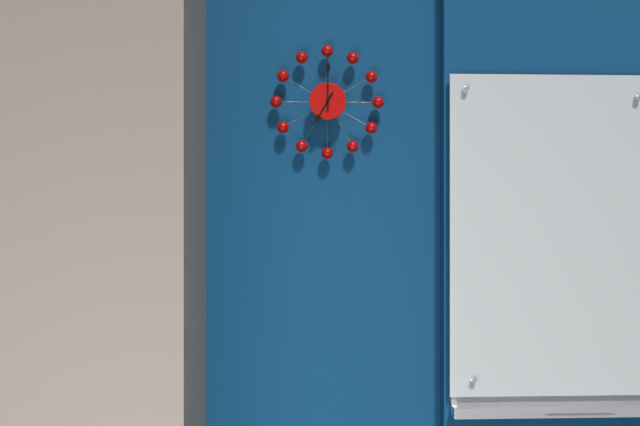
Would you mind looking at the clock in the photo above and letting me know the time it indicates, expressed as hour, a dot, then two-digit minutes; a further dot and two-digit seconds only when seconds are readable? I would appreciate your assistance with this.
7.00
